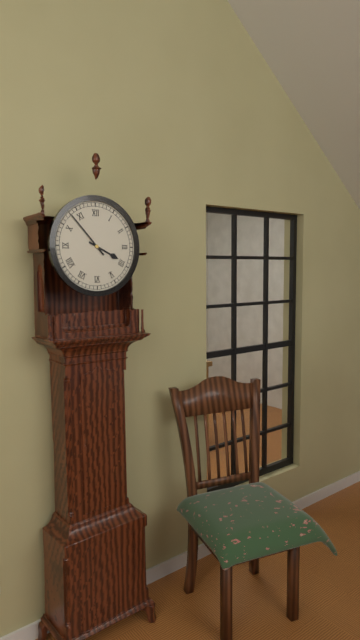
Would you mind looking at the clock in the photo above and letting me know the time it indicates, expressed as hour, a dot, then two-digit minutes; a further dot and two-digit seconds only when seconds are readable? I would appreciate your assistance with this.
3.53
